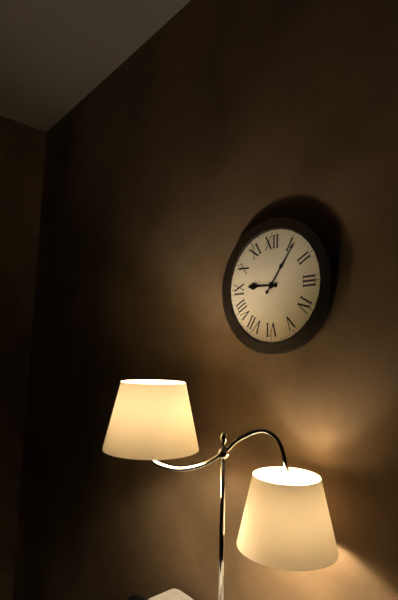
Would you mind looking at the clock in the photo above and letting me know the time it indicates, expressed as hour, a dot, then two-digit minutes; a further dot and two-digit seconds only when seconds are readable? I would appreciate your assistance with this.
9.06
